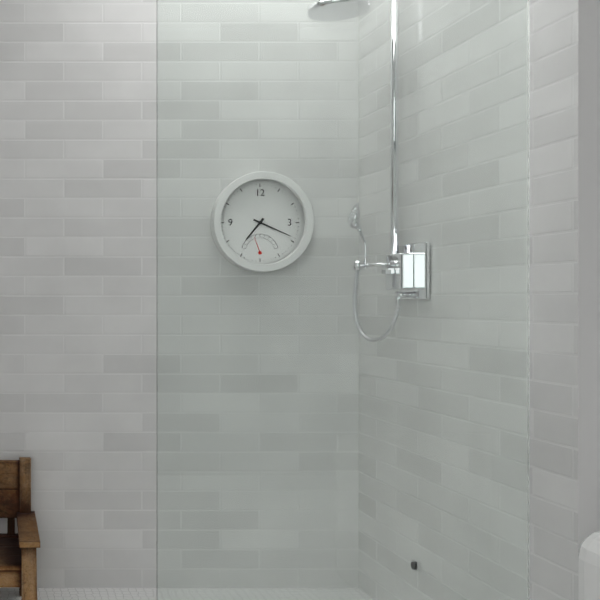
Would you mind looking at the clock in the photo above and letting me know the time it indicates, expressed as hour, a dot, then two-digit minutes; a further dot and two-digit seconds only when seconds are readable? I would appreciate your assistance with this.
7.19
